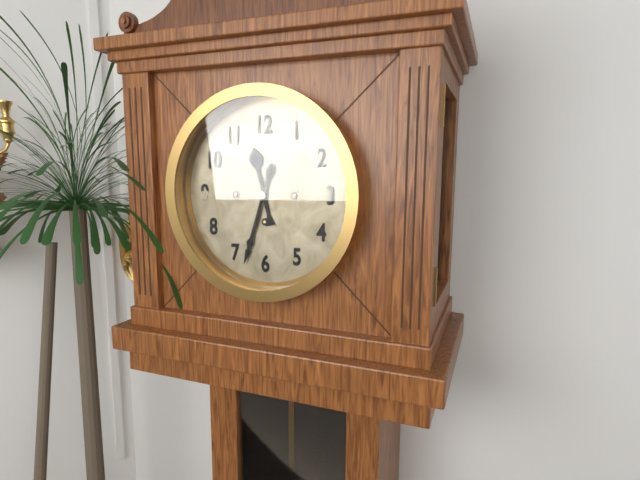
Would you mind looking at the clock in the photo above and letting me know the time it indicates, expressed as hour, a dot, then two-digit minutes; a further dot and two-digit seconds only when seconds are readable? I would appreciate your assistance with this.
11.33
